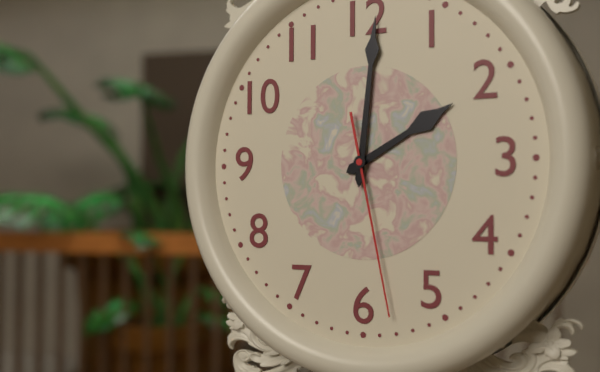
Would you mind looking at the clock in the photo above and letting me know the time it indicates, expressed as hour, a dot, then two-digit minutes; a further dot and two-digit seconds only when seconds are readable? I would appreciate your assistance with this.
2.01.28
